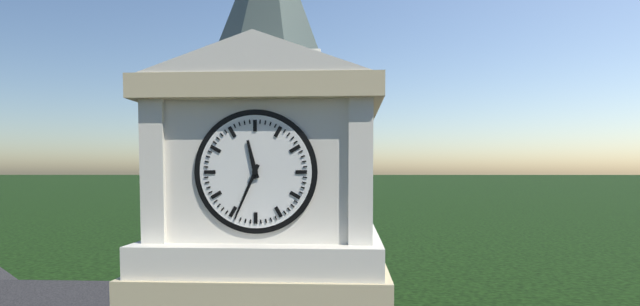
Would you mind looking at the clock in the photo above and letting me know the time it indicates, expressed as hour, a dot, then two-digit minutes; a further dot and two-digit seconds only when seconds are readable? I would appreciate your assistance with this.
11.34
